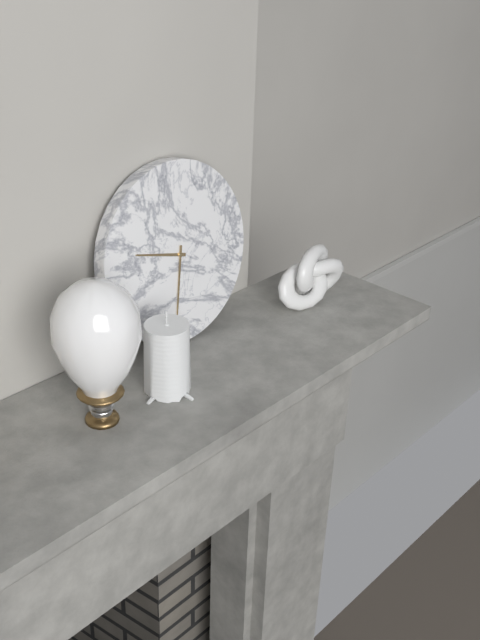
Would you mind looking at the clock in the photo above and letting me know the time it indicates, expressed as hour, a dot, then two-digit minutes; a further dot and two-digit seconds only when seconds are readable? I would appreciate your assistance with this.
9.32
